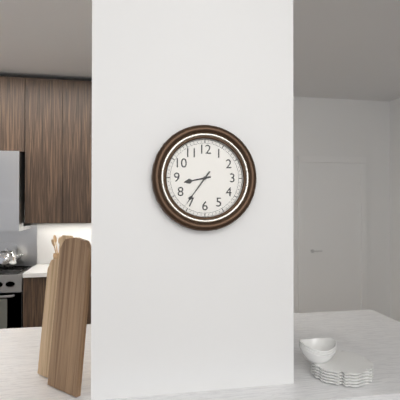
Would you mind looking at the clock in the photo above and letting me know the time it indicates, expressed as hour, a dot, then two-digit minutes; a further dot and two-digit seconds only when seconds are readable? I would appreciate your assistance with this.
8.36
